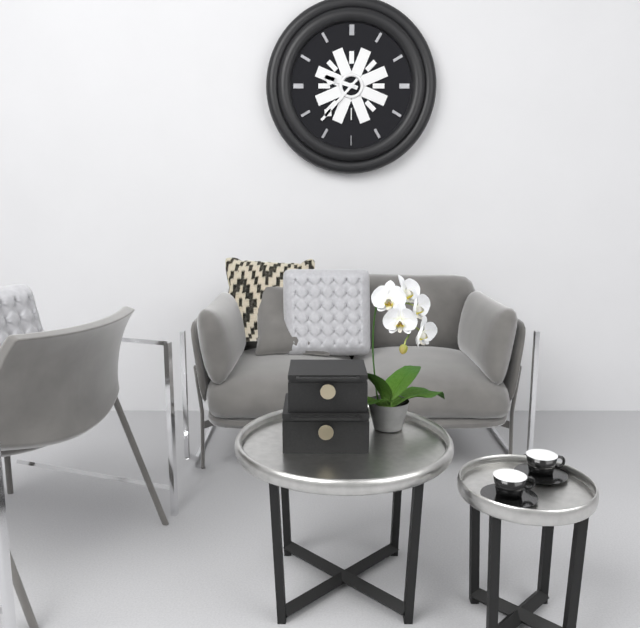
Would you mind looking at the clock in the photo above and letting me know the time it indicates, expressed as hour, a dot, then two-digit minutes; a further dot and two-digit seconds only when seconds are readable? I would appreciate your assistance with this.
9.37
